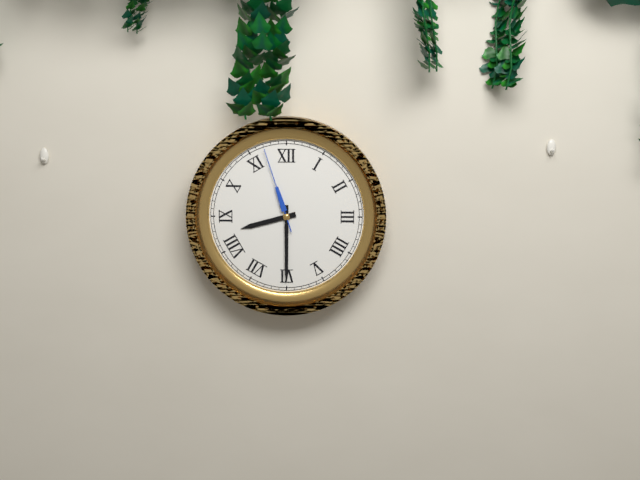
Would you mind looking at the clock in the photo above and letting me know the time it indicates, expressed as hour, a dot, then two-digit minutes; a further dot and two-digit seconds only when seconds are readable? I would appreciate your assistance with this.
8.30.57
